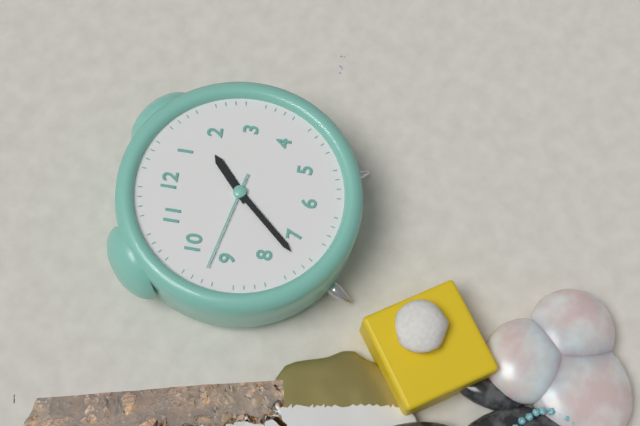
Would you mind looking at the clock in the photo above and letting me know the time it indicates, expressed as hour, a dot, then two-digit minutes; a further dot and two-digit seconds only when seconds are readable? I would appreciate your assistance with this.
1.37.47
